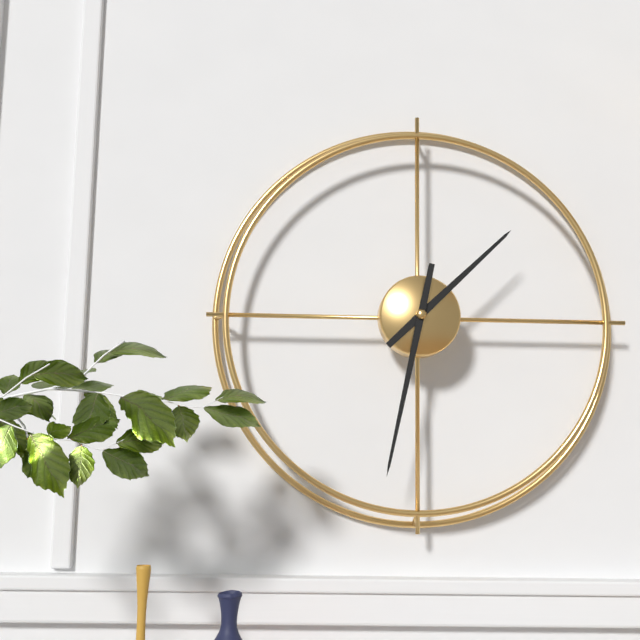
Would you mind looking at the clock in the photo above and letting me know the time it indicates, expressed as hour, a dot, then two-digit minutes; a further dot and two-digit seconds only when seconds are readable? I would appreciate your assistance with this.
1.32
